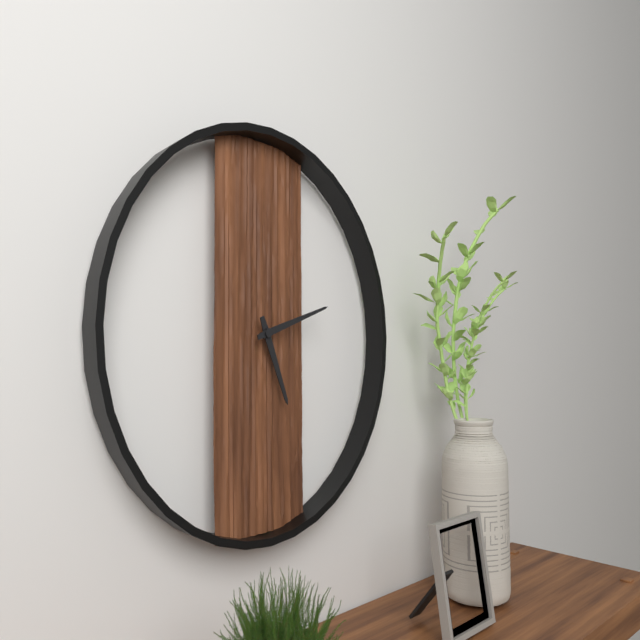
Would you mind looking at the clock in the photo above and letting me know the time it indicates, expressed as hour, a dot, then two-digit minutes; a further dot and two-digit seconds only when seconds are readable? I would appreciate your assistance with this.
5.12
